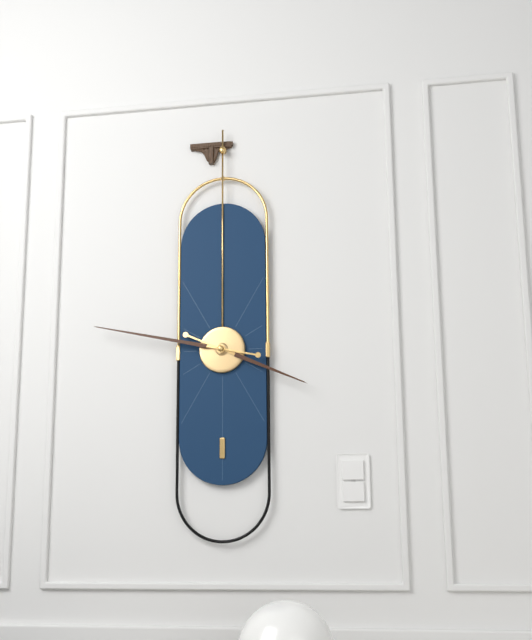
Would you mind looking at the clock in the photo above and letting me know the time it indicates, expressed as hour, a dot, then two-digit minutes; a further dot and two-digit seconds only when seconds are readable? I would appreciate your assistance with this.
3.47
